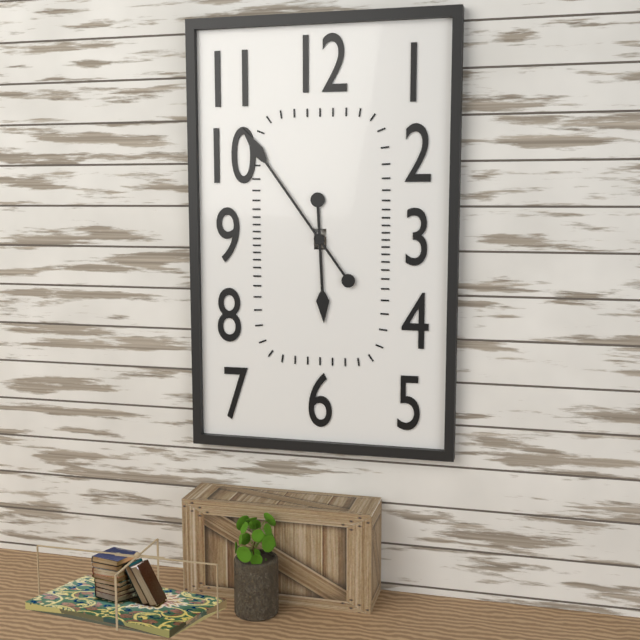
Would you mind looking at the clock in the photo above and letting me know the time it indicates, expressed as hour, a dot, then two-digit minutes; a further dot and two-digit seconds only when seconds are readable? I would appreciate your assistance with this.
5.54
